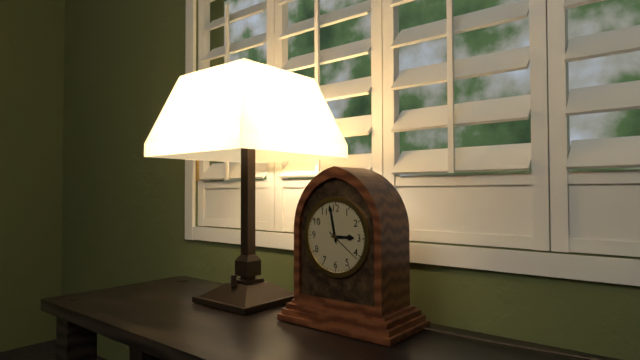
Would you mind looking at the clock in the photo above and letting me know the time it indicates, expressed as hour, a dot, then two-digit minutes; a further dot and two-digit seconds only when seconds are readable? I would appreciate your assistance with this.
2.58
